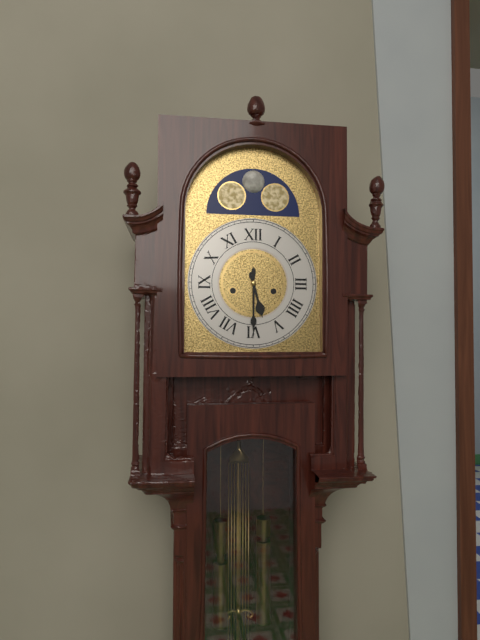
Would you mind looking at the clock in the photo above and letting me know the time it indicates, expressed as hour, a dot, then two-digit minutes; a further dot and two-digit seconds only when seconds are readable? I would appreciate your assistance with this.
5.30
